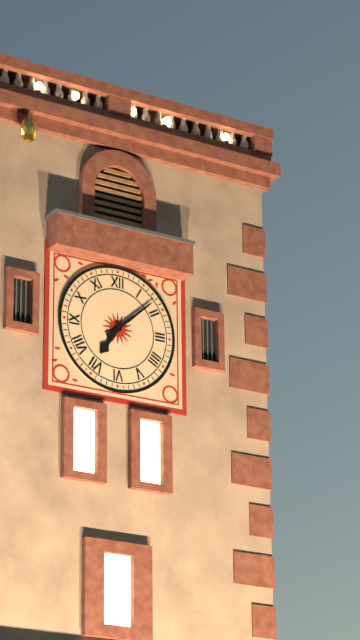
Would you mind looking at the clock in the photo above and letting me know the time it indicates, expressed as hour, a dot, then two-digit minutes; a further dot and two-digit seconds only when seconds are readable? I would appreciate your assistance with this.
7.08
